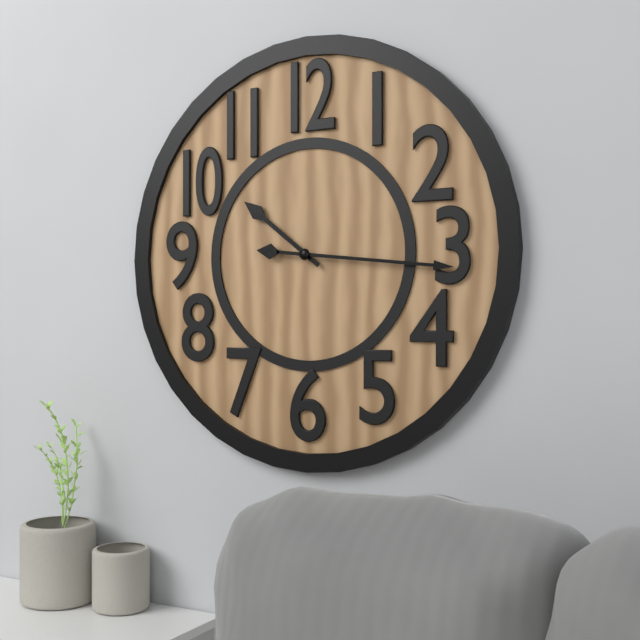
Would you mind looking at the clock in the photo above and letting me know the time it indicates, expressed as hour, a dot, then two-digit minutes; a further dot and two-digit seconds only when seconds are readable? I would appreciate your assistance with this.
10.16
